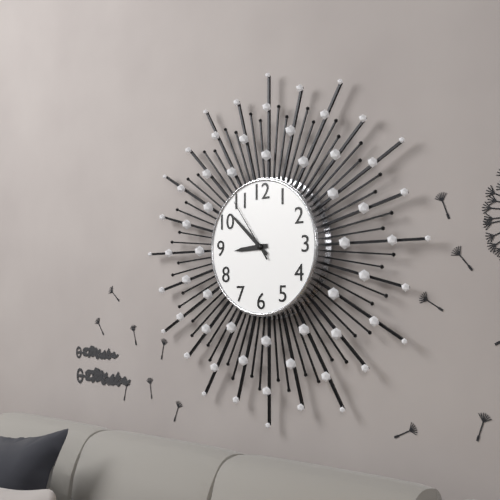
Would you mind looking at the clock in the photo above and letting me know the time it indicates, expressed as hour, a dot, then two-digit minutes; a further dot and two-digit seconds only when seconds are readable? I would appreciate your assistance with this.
8.52.54
